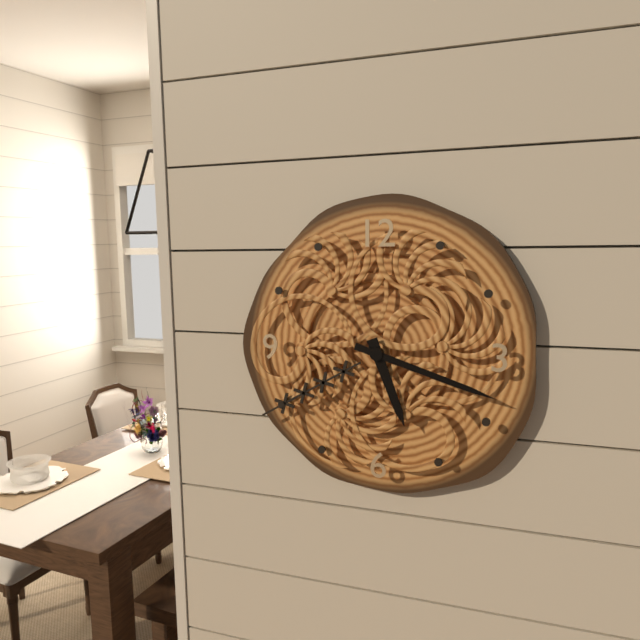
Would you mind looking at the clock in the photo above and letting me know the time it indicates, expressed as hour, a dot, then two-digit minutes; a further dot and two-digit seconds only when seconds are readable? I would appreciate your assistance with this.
5.18
